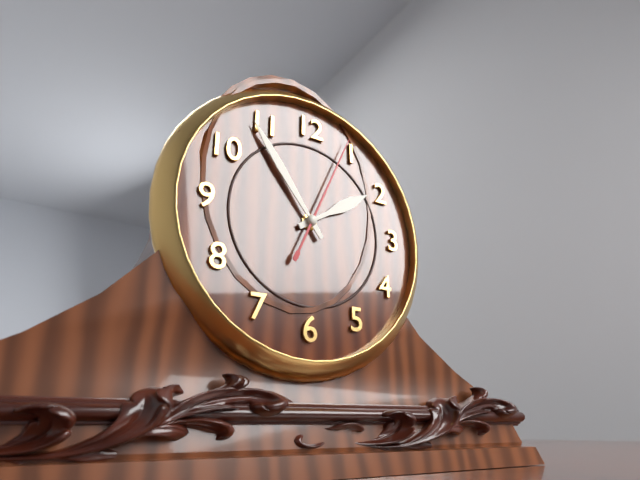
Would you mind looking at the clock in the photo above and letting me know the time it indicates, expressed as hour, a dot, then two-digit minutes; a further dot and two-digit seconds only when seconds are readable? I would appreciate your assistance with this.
1.54.04
